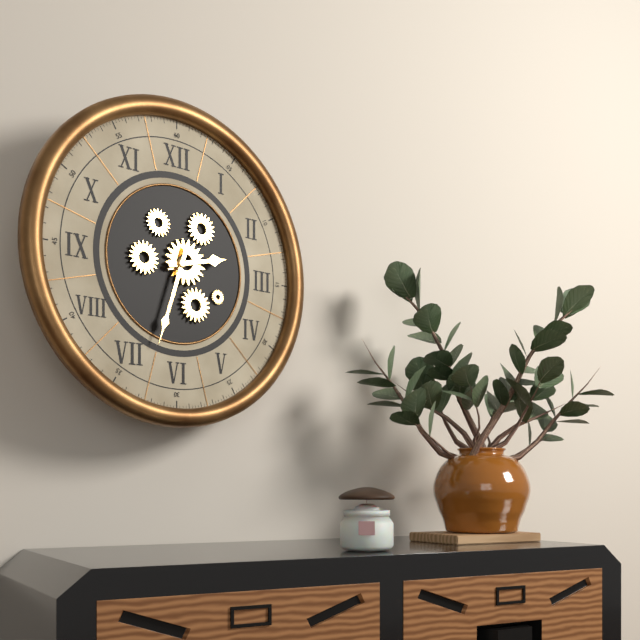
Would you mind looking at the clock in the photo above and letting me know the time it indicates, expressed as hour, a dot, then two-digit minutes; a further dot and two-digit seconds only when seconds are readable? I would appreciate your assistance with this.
2.33
